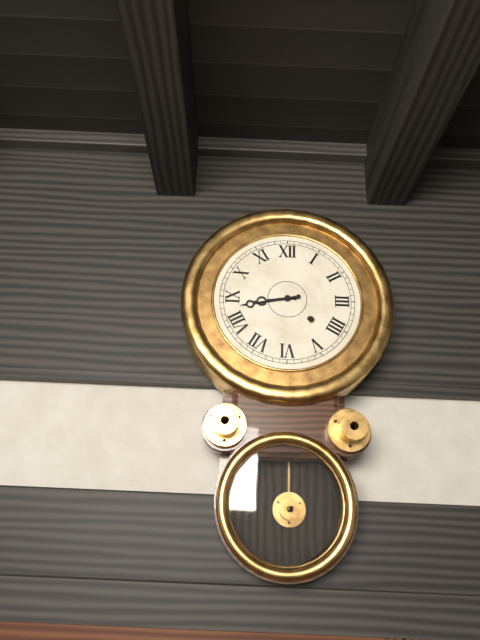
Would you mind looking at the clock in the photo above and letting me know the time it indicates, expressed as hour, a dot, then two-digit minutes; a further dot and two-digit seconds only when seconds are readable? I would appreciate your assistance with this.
8.43
